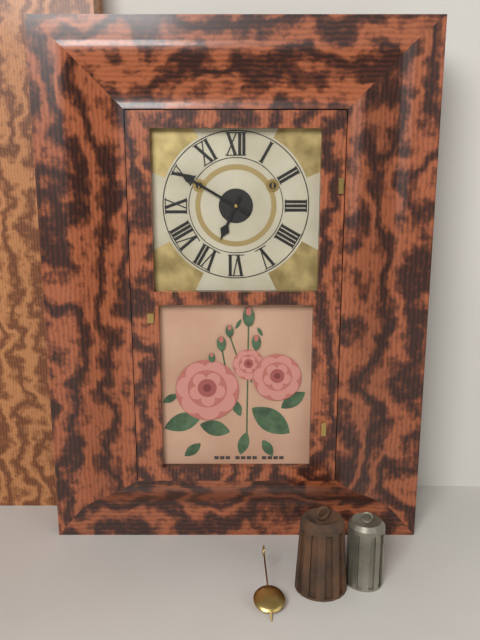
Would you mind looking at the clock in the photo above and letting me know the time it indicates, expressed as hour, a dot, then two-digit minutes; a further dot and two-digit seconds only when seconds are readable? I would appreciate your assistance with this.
6.50
